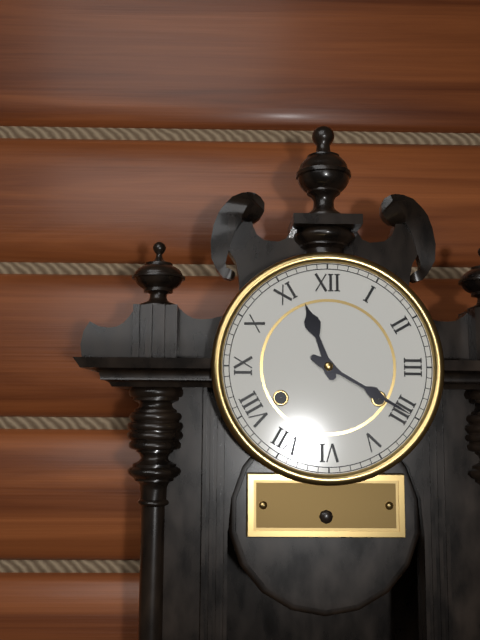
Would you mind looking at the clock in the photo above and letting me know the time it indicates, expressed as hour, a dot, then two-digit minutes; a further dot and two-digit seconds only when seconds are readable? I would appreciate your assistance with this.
11.20
